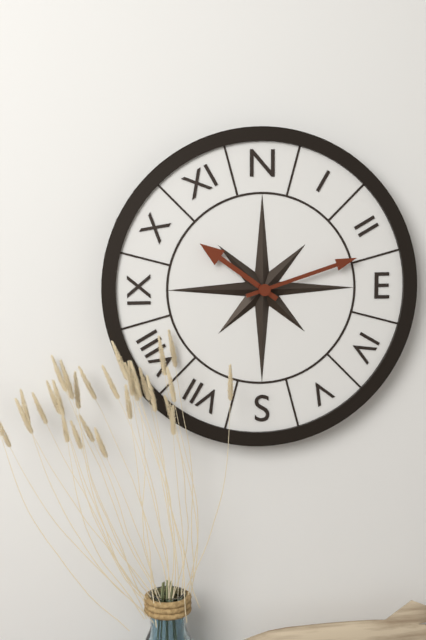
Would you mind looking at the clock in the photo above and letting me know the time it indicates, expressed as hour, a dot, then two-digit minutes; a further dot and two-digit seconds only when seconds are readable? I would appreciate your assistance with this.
10.12
